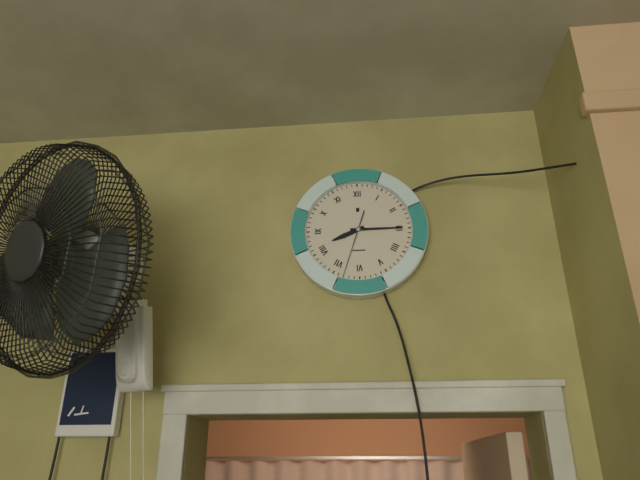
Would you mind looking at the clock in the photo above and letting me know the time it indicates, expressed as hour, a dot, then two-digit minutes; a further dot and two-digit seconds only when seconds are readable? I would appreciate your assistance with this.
8.15.33
